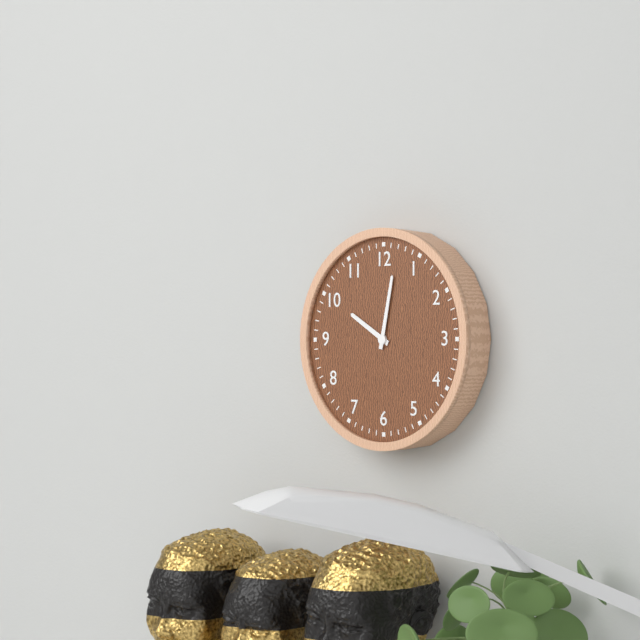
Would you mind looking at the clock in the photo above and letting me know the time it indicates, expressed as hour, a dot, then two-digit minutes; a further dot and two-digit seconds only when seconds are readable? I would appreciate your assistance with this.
10.02
